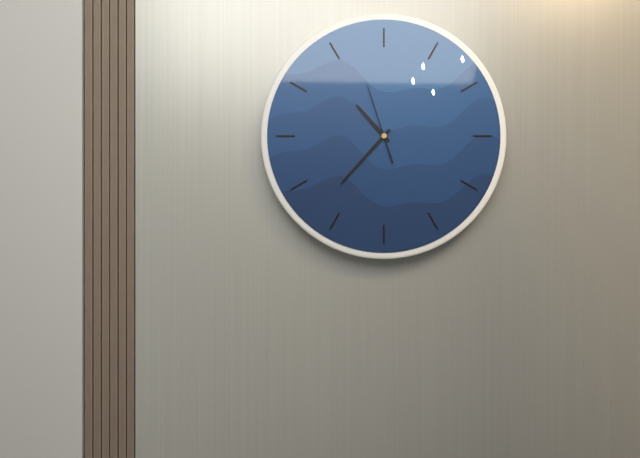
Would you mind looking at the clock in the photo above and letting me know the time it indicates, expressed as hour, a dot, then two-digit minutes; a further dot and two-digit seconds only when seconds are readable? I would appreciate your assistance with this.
10.37.57
